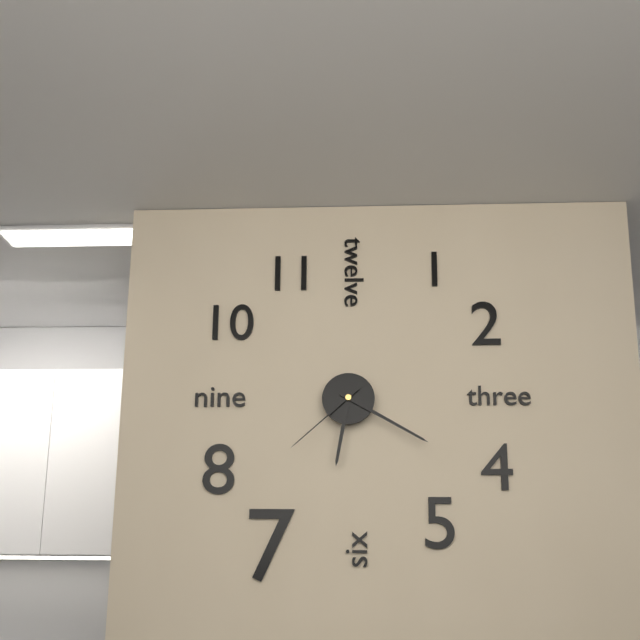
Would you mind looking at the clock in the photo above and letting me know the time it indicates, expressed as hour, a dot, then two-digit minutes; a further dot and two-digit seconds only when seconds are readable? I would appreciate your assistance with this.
6.20.38
